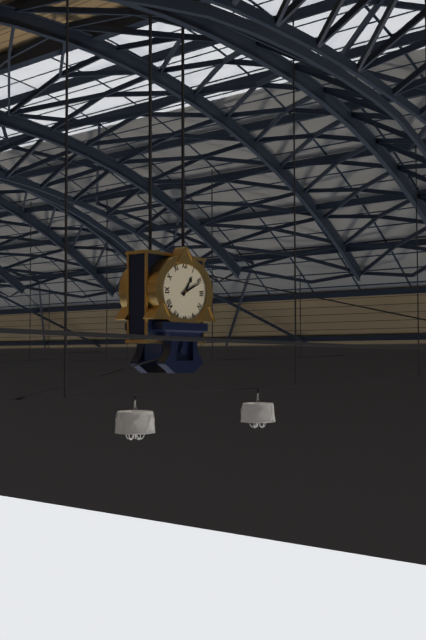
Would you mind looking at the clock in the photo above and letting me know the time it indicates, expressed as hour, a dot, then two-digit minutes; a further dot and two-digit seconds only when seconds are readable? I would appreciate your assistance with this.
1.11
